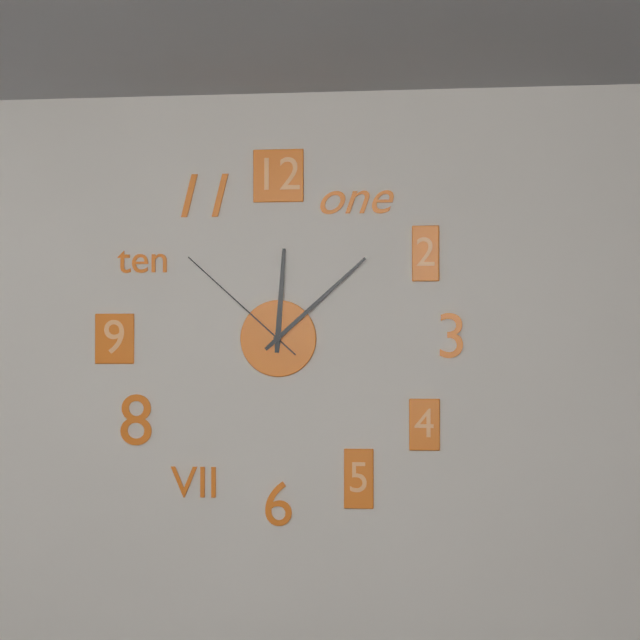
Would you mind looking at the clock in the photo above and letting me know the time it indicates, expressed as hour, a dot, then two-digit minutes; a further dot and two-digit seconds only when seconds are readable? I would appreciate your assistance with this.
12.08.52
